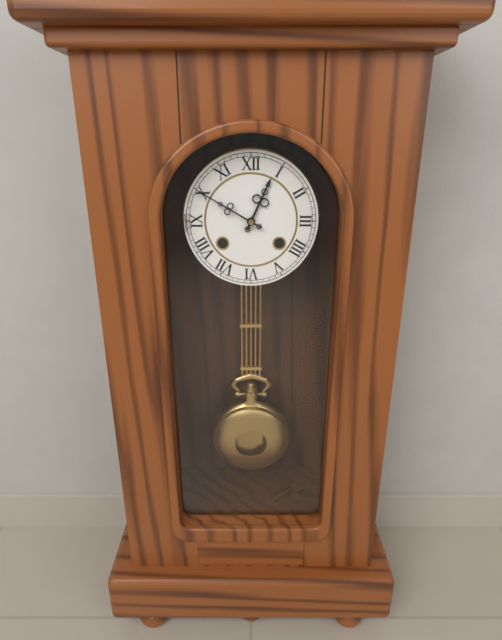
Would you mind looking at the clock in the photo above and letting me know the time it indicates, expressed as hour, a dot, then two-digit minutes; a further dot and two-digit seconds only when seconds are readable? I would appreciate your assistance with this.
12.50
